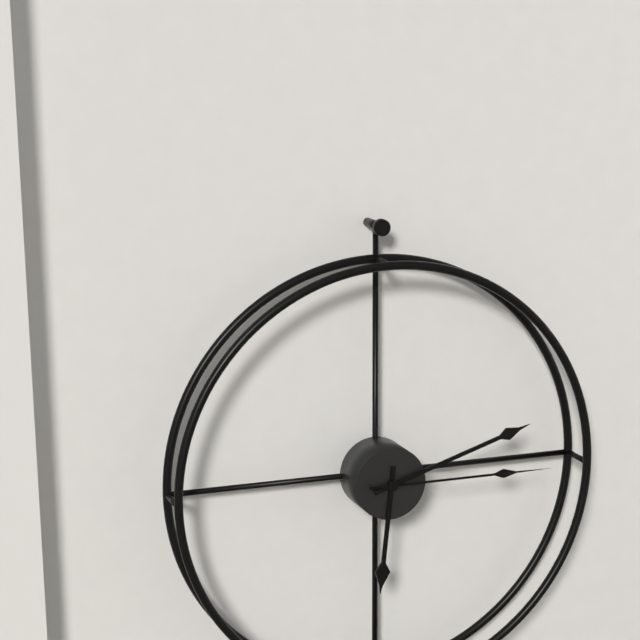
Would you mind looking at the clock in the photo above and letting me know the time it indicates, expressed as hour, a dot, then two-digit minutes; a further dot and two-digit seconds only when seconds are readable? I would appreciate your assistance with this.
6.12.15
